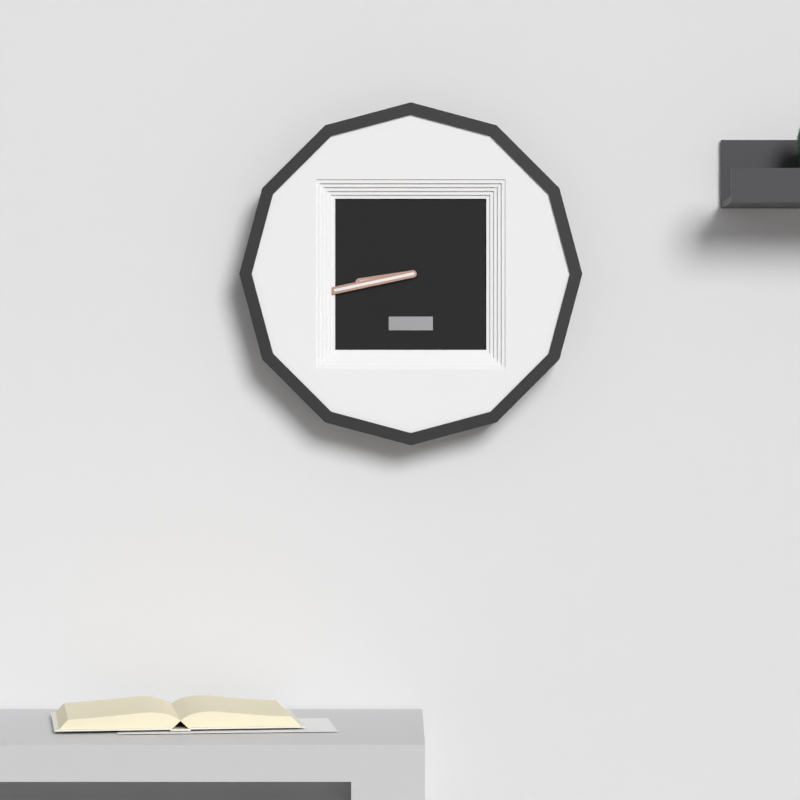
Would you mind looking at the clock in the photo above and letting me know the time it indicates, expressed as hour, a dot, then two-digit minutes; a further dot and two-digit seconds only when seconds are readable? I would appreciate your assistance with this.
8.43
